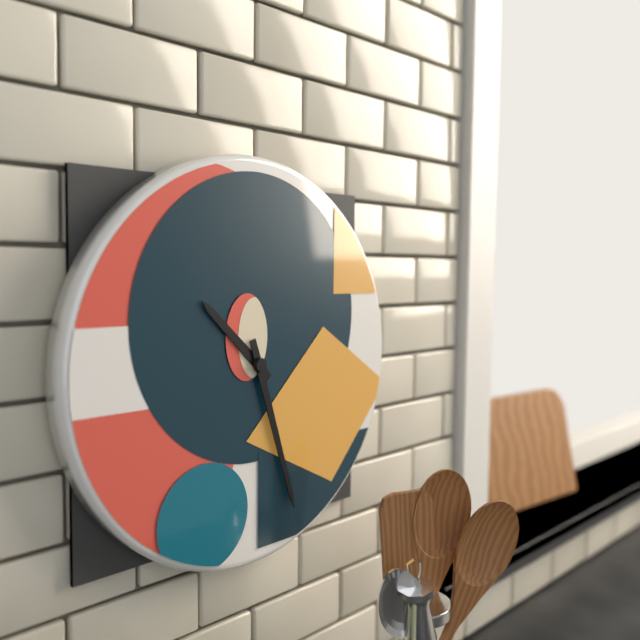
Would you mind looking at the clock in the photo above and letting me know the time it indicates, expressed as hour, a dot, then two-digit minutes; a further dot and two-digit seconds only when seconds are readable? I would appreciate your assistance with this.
10.27
